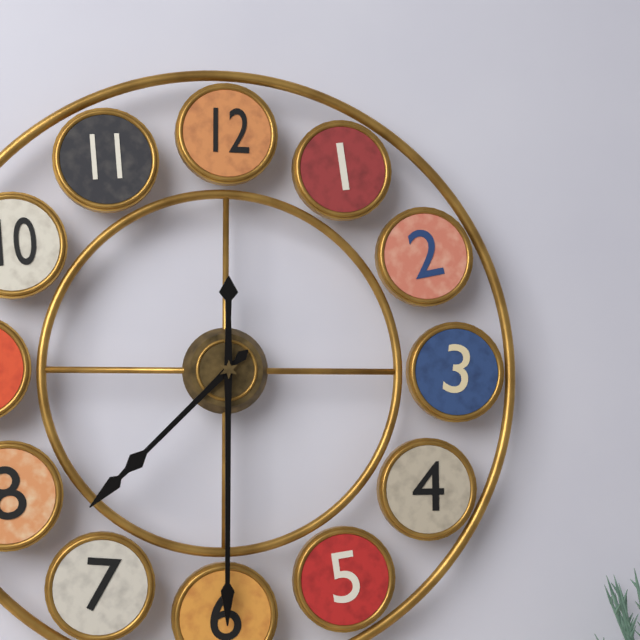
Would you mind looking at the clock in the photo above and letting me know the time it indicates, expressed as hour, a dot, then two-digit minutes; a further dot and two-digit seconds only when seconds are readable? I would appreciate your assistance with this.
7.30
